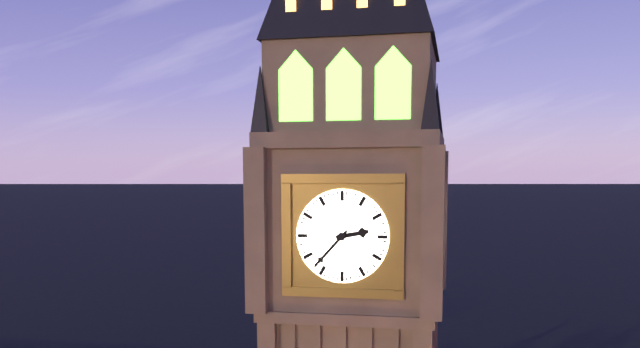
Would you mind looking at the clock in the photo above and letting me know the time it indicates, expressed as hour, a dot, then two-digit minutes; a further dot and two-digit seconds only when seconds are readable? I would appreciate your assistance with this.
2.37
